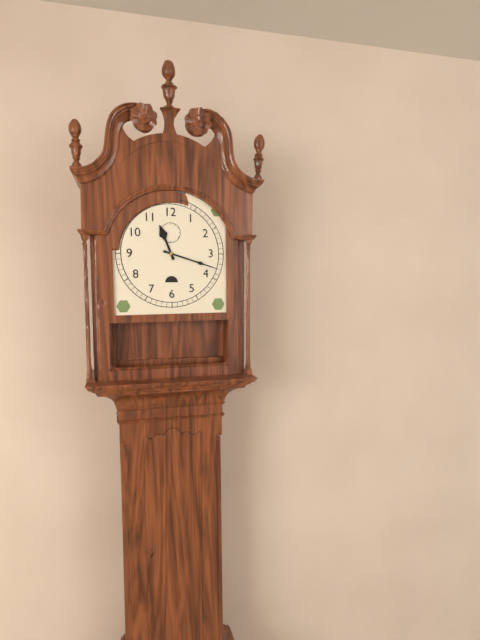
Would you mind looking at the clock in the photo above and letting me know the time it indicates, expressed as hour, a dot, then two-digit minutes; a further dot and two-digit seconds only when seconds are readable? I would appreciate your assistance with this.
11.18
